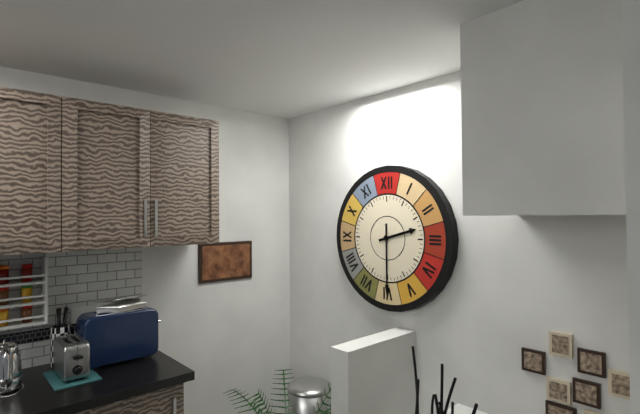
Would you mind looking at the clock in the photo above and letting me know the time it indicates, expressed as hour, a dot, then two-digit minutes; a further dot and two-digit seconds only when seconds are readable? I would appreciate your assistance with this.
2.30
